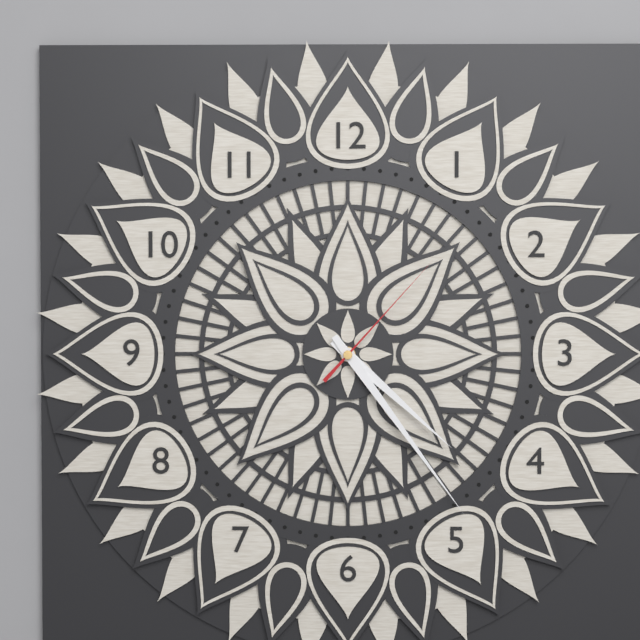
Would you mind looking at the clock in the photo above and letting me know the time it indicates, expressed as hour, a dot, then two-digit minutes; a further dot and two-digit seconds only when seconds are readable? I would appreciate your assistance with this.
4.24.07
